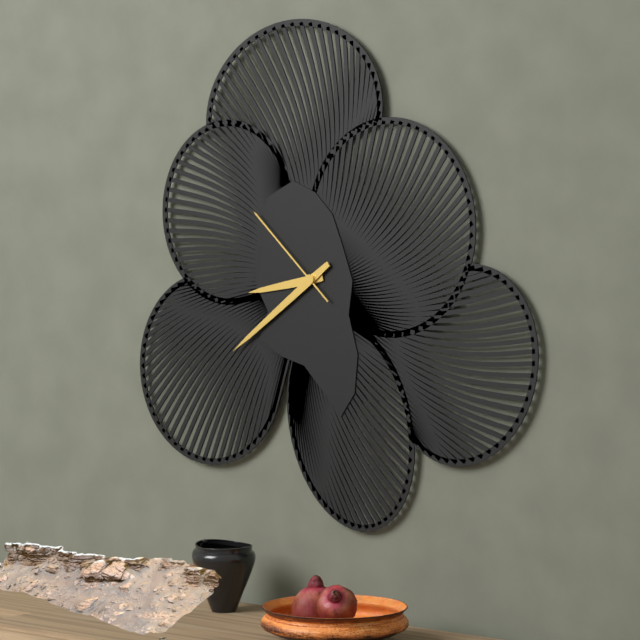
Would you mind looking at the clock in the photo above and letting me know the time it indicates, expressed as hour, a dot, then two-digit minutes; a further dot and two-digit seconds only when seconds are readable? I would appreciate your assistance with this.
8.39.52
